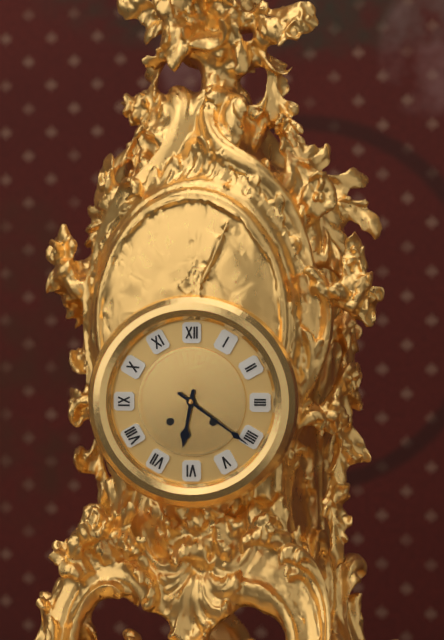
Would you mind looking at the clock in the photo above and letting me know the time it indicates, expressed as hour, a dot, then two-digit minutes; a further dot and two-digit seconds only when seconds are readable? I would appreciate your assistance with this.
6.21
